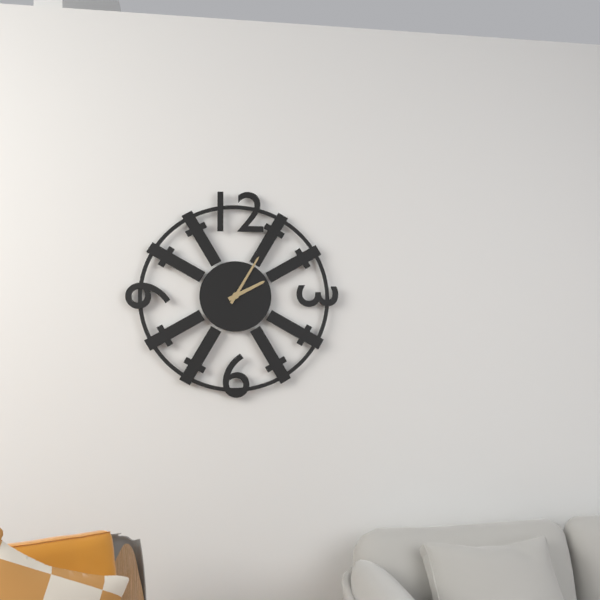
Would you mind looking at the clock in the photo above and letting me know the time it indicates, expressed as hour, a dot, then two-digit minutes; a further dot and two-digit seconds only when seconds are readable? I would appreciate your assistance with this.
2.05
